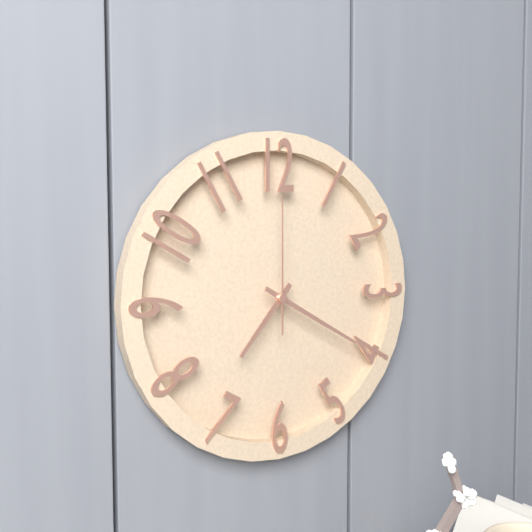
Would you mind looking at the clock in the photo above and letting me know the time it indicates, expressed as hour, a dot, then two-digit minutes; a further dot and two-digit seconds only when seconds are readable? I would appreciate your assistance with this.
7.20.00
